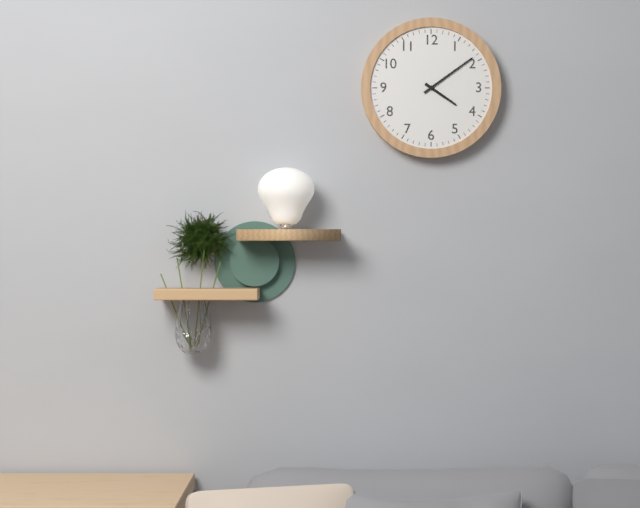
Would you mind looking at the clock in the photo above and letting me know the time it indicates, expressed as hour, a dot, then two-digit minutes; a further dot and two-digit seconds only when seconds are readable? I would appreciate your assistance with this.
4.09
